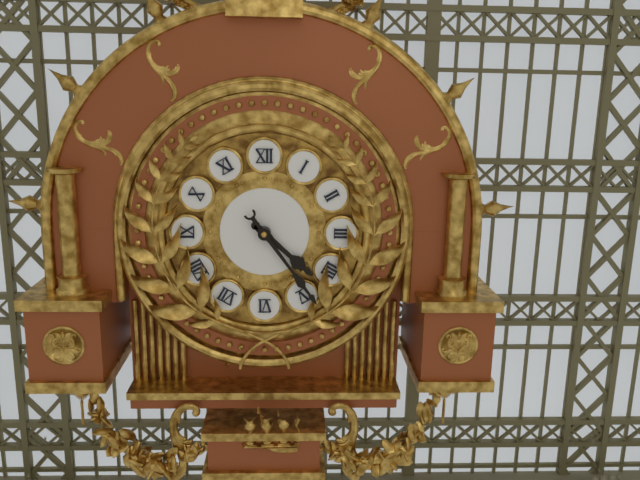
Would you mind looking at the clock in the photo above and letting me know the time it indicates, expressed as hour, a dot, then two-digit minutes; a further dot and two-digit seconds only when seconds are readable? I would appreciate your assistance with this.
4.24
